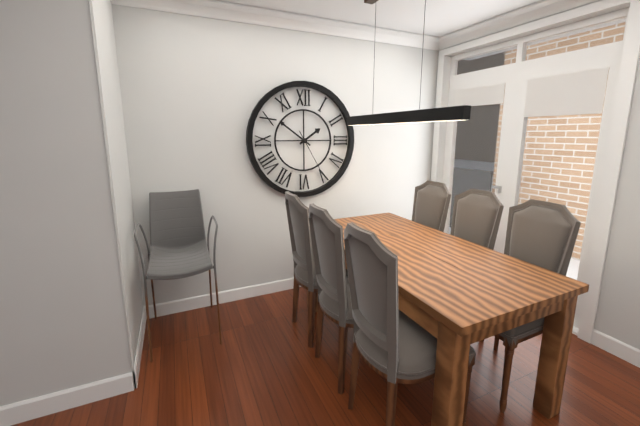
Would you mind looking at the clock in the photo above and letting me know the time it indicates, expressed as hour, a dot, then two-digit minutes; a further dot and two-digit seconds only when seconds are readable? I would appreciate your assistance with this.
1.51
